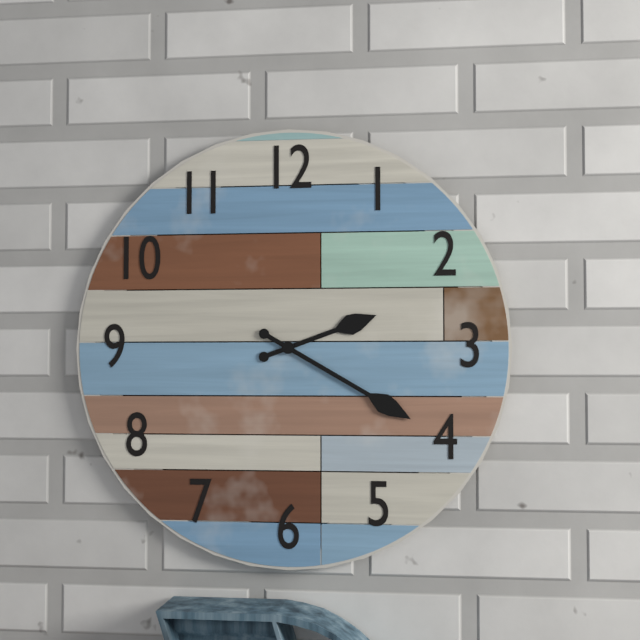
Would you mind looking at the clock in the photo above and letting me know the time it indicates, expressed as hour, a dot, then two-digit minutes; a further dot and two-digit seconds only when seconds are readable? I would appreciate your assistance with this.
2.20
